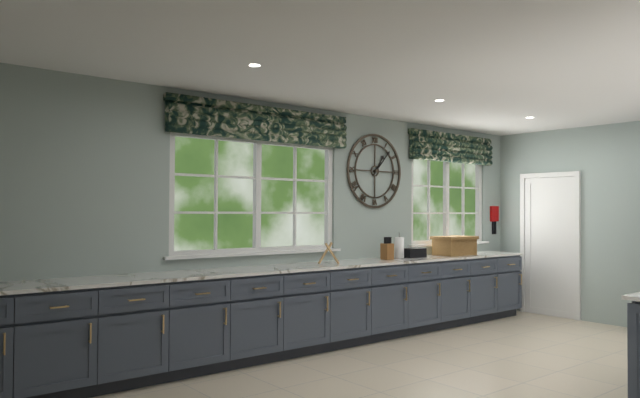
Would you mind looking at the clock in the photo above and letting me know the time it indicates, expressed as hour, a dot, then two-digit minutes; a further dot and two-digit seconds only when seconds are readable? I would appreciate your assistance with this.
1.07
